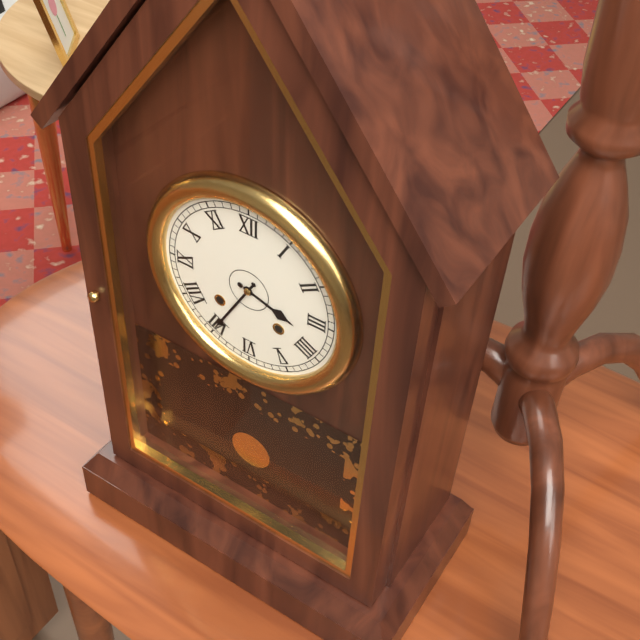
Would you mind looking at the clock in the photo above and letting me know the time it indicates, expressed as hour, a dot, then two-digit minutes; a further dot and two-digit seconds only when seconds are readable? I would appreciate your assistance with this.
3.35
